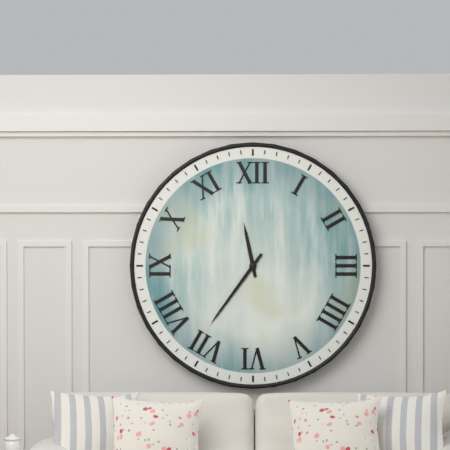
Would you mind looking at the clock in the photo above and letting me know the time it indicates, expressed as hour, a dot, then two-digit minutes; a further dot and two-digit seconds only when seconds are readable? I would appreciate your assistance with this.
11.36
